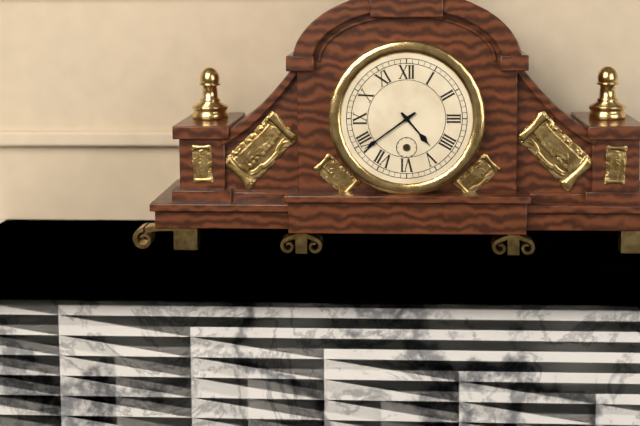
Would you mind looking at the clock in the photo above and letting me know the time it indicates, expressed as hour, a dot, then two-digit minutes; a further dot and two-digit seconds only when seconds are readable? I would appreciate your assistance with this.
4.39
